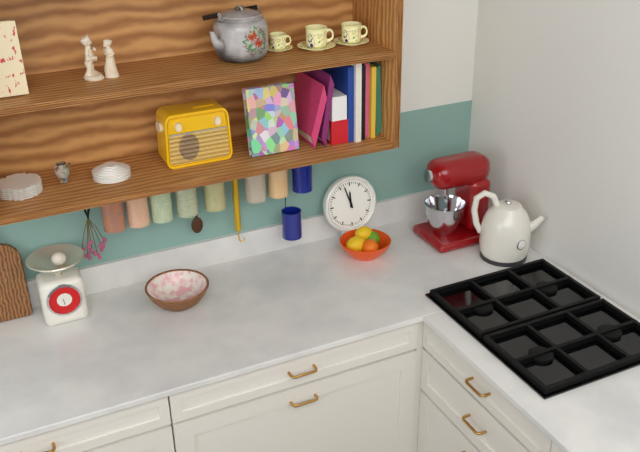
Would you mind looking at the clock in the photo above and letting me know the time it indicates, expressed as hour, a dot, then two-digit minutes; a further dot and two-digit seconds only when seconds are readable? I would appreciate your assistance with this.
11.57
